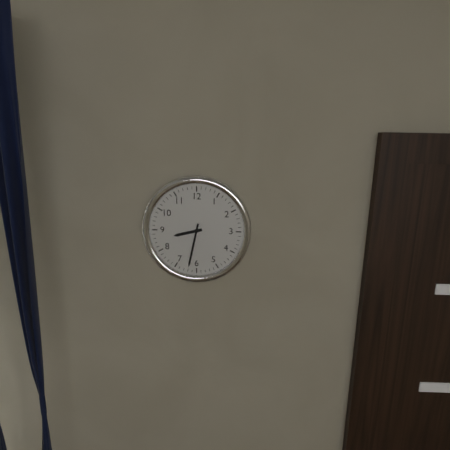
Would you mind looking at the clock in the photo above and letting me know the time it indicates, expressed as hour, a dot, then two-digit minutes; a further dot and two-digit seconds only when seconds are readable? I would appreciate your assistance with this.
8.32
